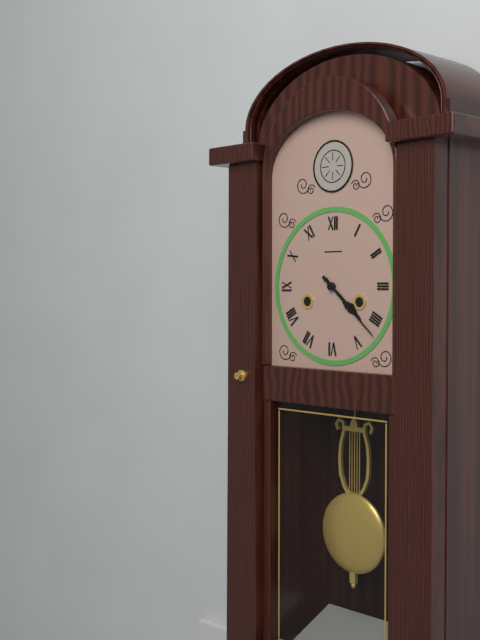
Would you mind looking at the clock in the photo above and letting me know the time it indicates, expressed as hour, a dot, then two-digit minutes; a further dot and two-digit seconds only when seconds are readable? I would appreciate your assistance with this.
4.22
